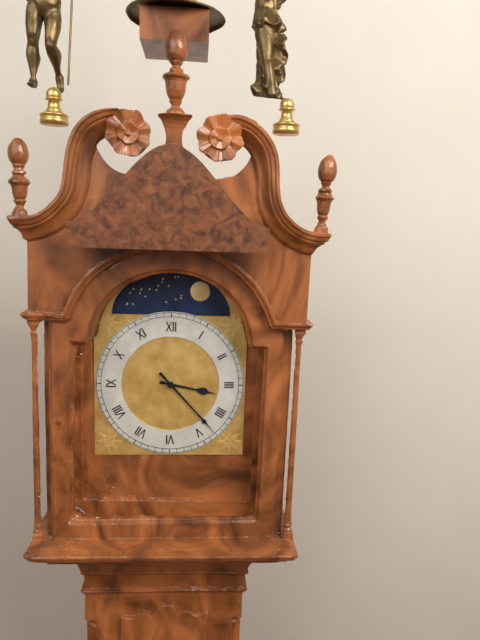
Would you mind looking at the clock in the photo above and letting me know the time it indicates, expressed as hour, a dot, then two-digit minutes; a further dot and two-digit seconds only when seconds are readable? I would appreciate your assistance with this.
3.23
